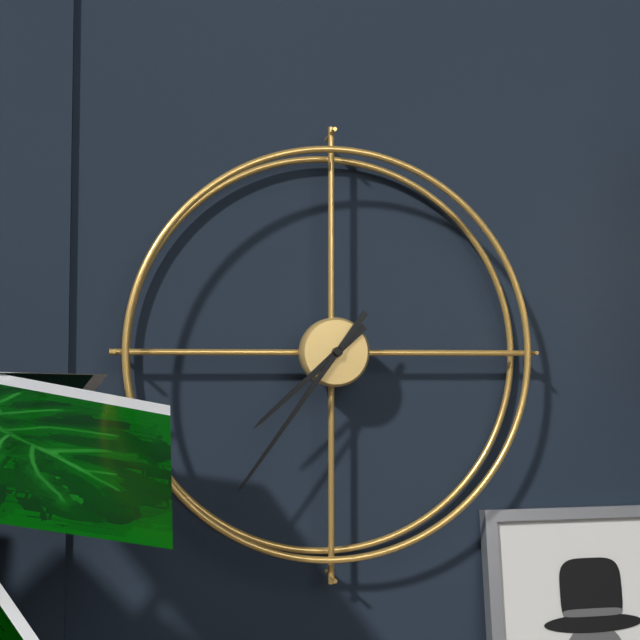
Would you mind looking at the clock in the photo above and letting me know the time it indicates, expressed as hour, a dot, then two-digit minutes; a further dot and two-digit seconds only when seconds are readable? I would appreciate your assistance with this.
7.36
